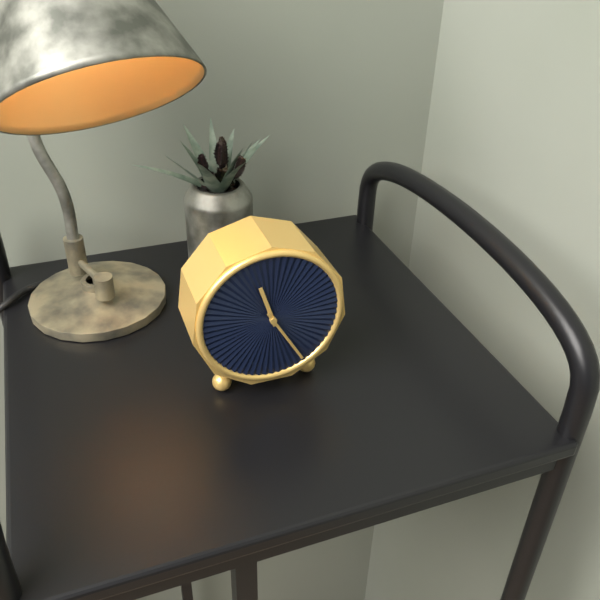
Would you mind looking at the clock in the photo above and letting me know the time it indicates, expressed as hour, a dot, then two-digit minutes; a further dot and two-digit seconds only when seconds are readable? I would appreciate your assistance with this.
11.25
